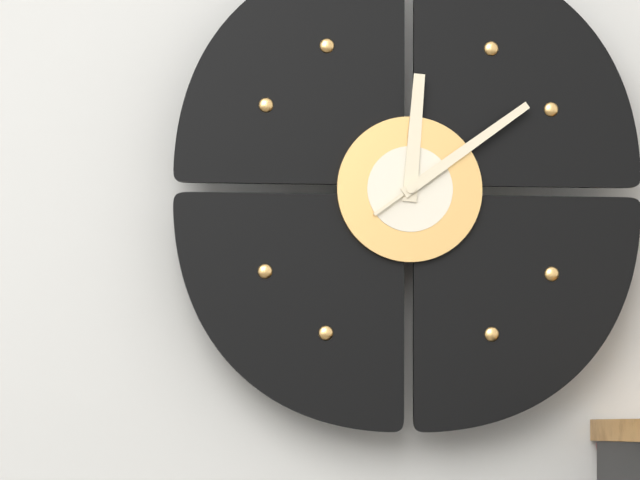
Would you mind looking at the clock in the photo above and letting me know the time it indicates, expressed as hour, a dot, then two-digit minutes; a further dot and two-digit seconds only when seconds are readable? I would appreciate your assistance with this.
12.09
